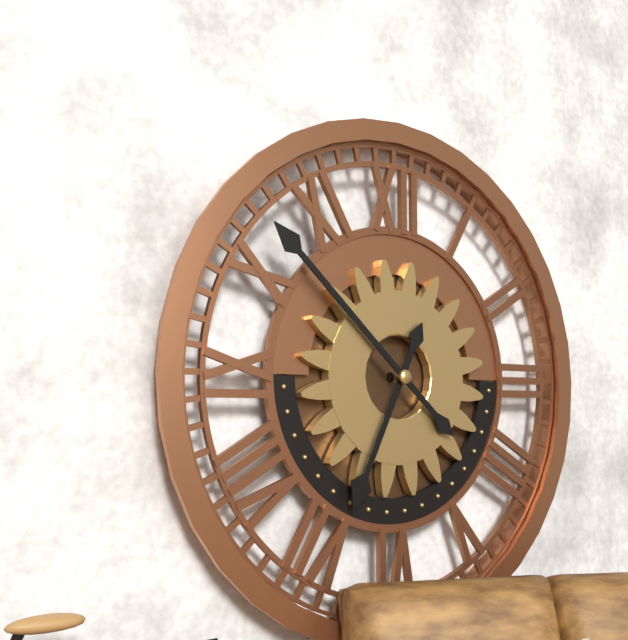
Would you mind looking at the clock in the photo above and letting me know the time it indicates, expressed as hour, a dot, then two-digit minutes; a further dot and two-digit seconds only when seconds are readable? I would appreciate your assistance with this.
6.52
